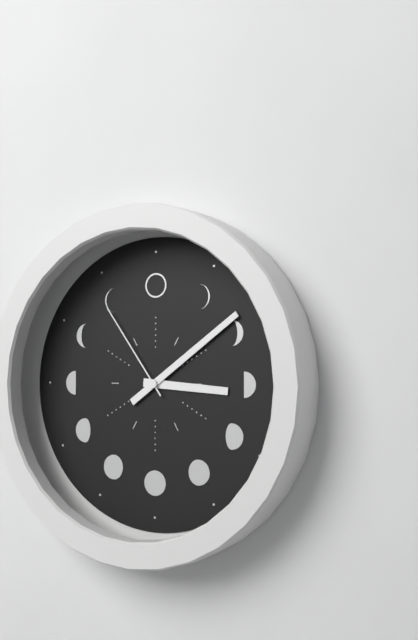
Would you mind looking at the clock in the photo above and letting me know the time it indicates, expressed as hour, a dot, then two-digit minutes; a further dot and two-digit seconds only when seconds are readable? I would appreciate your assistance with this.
3.09.54
